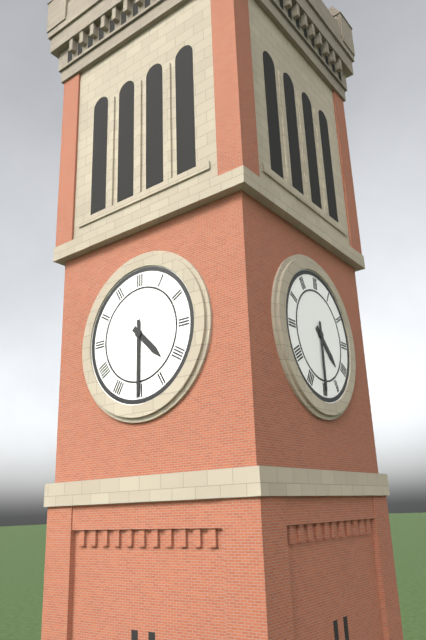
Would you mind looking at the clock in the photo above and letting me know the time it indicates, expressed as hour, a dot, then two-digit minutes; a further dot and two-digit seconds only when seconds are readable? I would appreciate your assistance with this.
4.30
